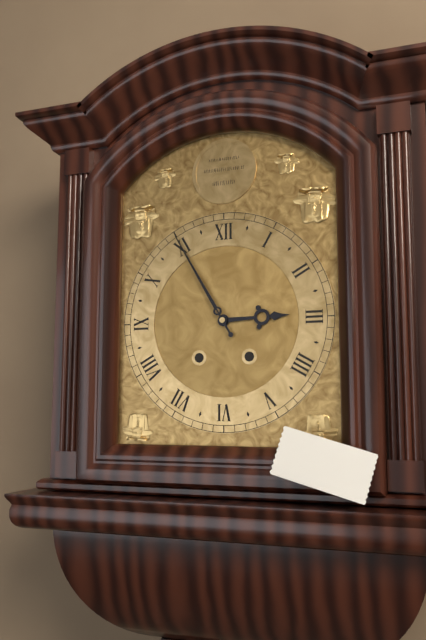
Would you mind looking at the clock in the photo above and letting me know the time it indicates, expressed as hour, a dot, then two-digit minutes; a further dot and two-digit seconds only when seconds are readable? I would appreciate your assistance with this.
2.55
